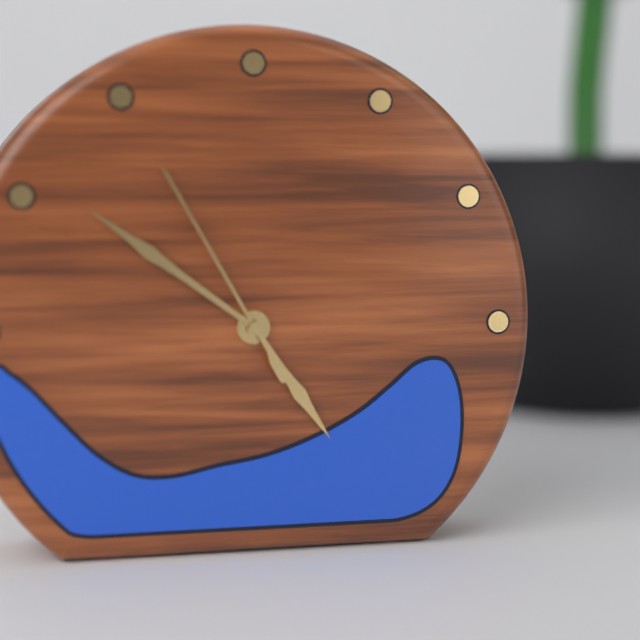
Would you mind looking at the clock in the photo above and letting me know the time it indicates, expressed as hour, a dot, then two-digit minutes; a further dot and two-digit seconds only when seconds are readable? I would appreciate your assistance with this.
4.51.55
